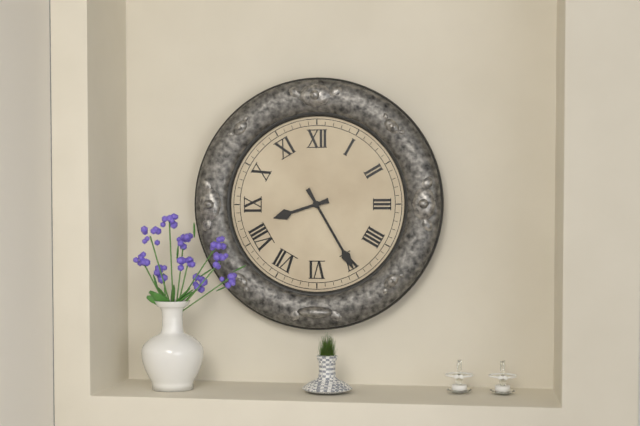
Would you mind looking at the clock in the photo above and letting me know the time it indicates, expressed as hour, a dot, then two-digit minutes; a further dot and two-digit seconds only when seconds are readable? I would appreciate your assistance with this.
8.25
